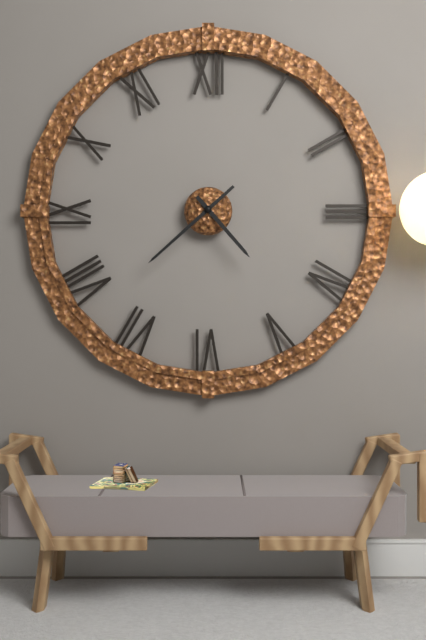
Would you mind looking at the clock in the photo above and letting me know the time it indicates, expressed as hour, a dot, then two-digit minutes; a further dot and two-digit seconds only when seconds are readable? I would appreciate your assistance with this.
4.38
